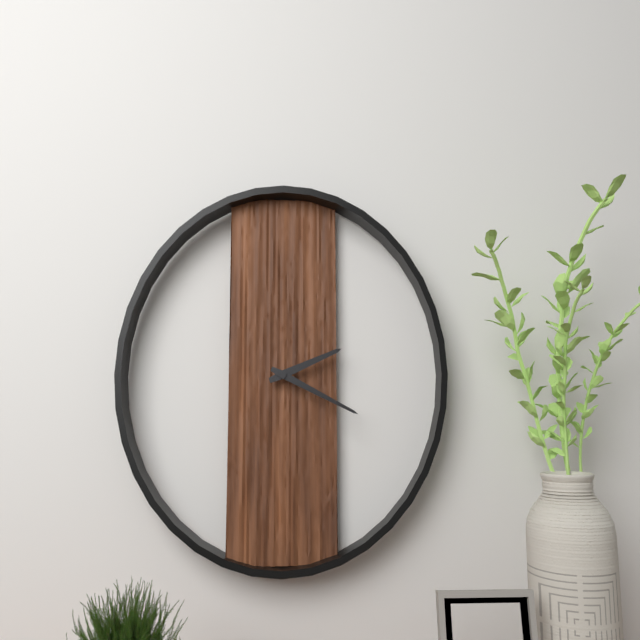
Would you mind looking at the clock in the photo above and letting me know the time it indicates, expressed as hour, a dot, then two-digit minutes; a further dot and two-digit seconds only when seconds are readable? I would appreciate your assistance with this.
2.19
